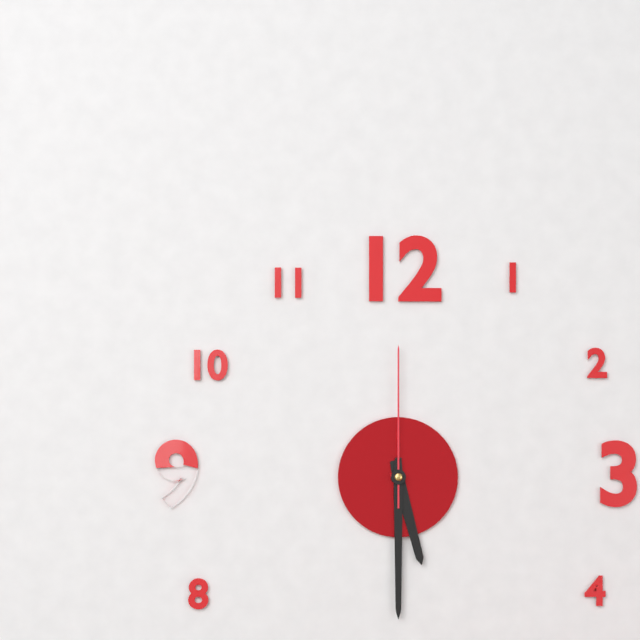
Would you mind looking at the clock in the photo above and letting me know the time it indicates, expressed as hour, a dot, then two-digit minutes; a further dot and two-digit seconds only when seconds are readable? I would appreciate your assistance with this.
5.30.00
